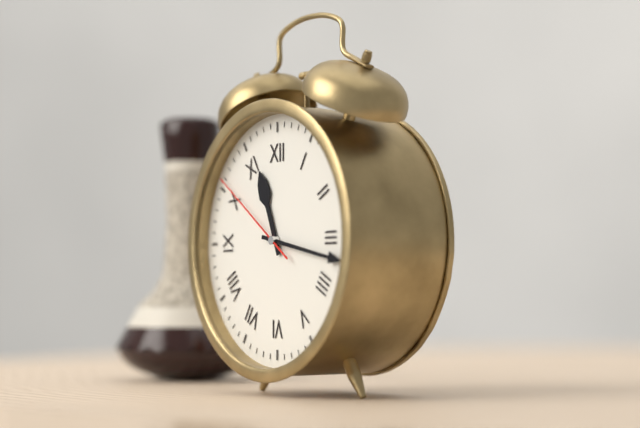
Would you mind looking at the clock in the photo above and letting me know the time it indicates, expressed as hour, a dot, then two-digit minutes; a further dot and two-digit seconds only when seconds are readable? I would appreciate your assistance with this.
11.17.51
